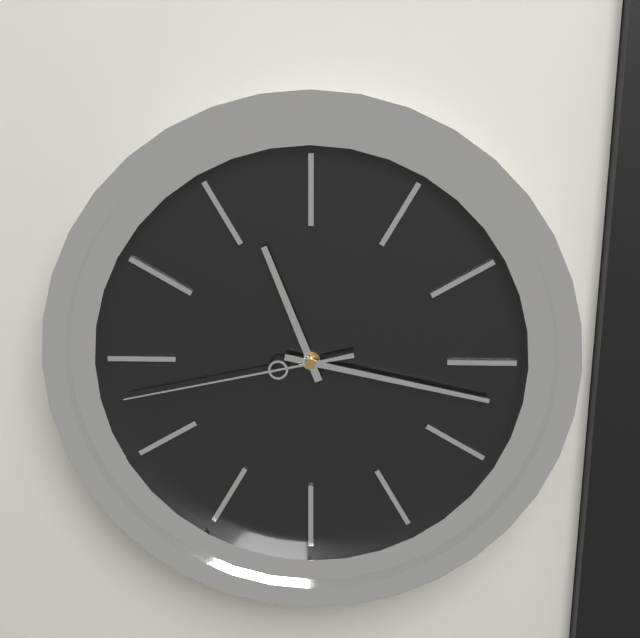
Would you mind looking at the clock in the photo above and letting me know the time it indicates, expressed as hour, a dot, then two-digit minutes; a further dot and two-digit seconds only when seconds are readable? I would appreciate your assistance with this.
11.17.43
